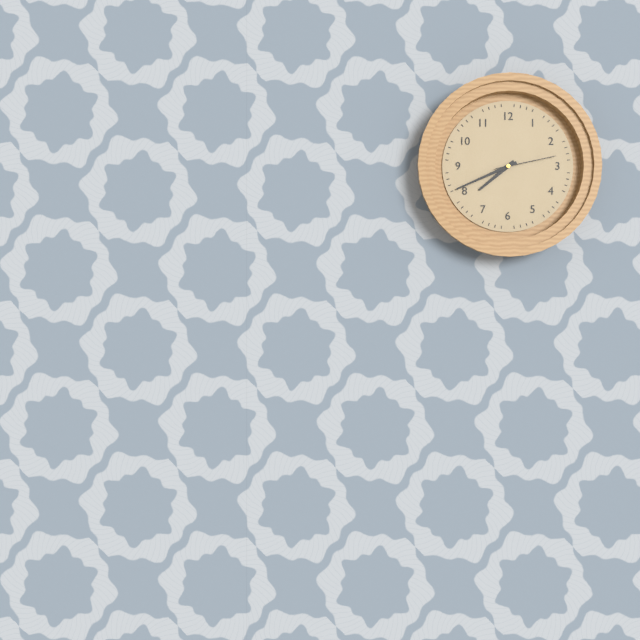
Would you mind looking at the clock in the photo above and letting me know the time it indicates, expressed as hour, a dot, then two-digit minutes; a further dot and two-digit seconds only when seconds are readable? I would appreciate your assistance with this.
7.41.13
